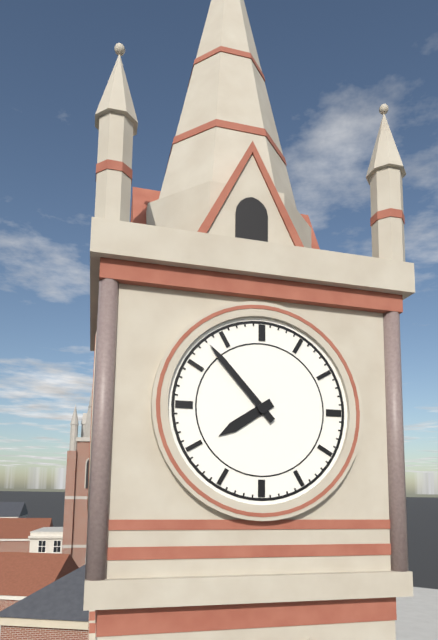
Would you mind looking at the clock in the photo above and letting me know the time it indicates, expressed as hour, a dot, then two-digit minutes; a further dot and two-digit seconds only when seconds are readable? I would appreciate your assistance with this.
7.53
